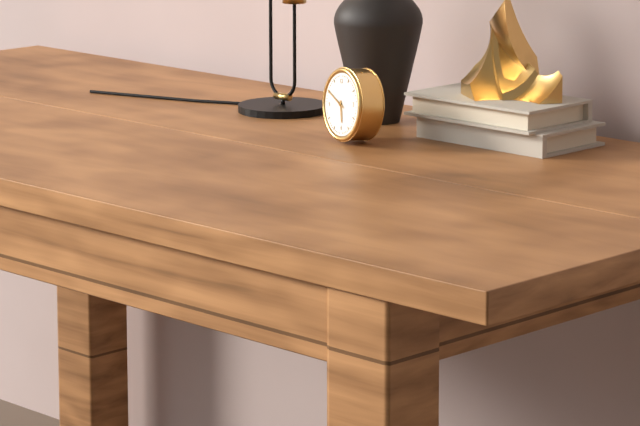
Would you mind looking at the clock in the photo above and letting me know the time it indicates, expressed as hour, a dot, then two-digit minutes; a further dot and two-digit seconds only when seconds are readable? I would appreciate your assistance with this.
5.50
